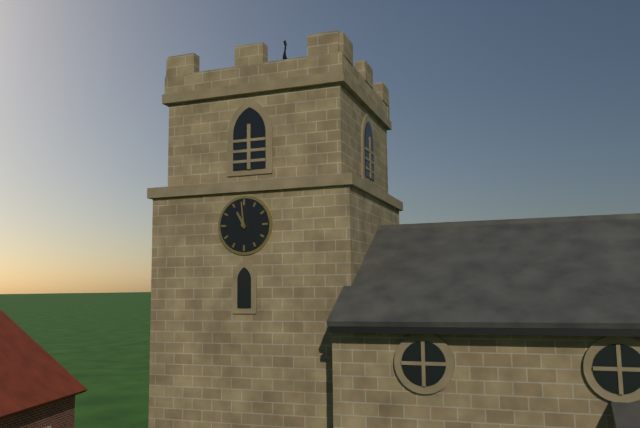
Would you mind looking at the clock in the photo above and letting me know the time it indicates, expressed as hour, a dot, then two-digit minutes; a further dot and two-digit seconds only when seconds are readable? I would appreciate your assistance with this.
10.59
